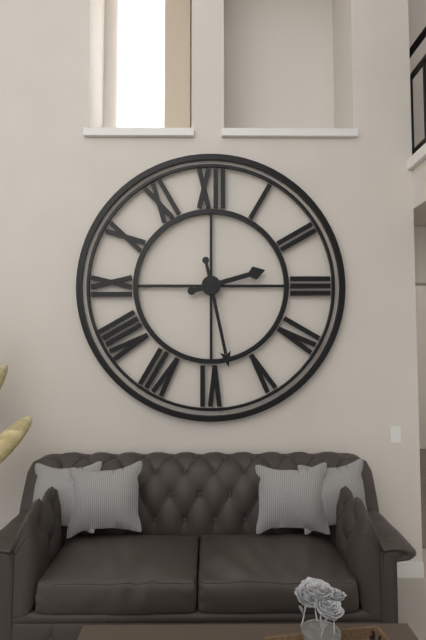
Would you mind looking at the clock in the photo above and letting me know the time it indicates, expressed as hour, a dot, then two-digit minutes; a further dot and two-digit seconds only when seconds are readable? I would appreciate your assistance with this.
2.28
